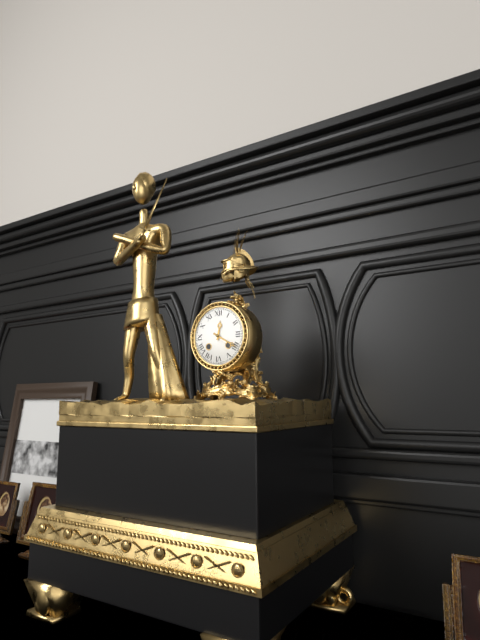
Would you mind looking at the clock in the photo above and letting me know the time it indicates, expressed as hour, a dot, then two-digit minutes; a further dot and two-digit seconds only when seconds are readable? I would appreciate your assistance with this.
12.20
